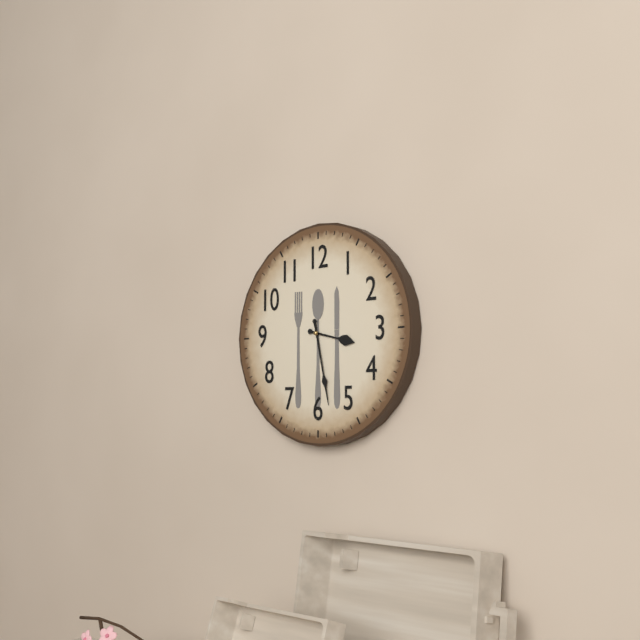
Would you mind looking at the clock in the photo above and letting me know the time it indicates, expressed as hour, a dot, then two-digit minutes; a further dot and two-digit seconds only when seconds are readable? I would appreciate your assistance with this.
3.28
